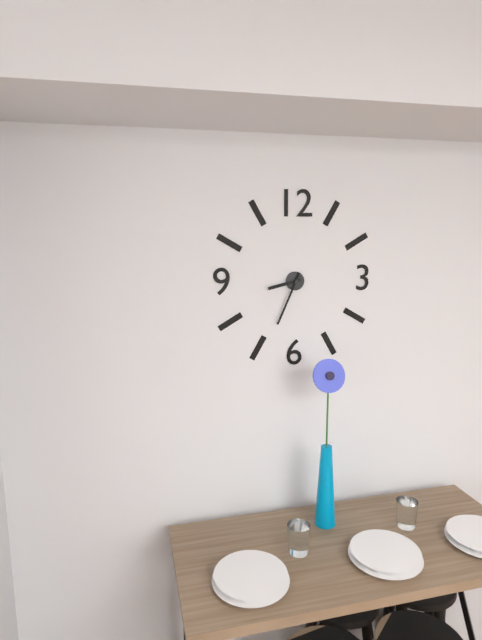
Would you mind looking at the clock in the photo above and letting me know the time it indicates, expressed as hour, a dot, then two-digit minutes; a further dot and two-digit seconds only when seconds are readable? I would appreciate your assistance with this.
8.34
